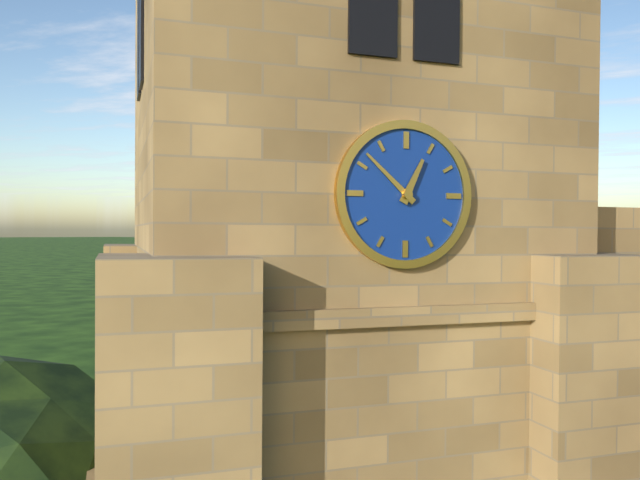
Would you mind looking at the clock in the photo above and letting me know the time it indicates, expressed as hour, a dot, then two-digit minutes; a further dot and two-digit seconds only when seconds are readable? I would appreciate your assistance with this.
12.52
